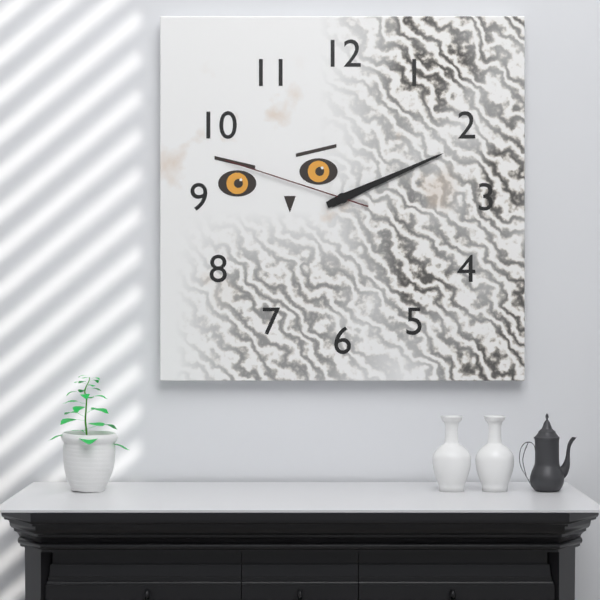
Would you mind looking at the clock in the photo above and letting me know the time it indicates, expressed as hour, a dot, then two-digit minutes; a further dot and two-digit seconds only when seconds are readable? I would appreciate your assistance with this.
2.11.48
